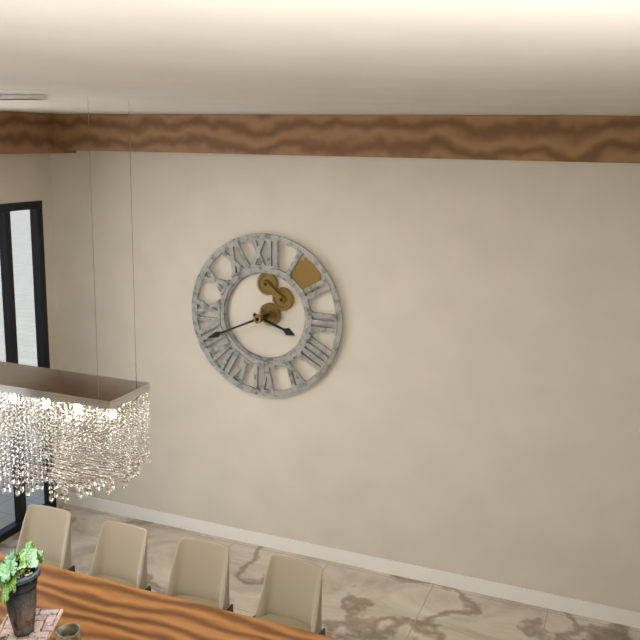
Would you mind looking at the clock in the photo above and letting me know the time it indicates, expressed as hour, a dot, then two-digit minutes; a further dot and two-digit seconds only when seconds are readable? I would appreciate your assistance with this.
3.41
